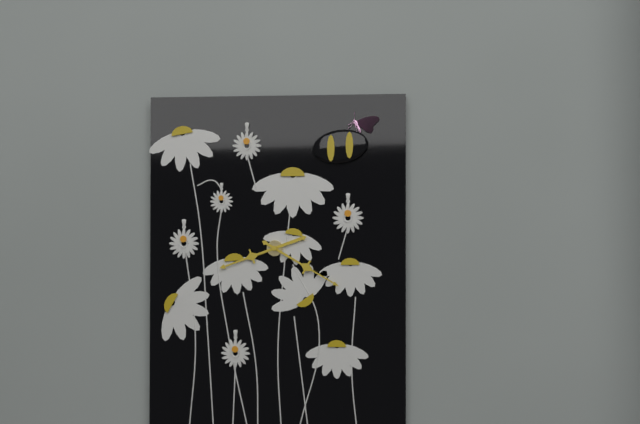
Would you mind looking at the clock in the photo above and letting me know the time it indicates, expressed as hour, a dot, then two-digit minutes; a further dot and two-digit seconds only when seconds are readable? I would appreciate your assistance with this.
8.20
